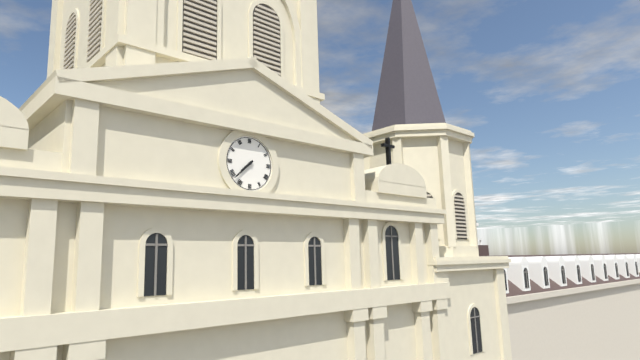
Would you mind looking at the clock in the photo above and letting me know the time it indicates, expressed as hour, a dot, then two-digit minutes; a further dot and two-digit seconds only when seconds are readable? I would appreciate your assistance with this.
7.38
